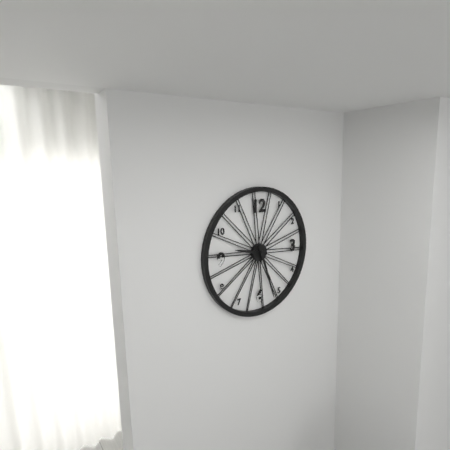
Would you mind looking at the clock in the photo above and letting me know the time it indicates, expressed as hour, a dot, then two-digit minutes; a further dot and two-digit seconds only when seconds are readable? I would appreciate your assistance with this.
9.27
